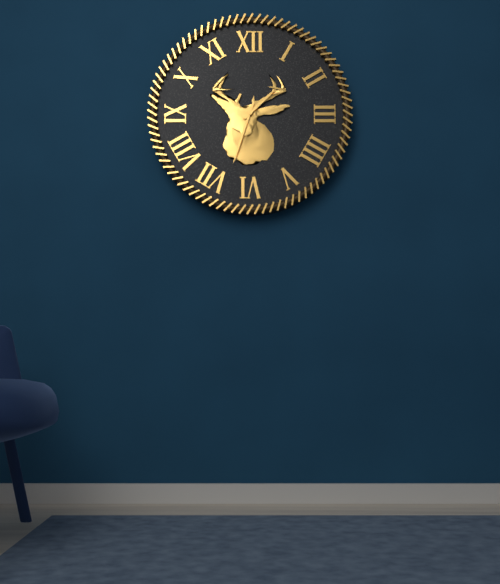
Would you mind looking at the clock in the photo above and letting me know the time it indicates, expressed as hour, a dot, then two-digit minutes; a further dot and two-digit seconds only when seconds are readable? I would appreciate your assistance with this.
1.33
